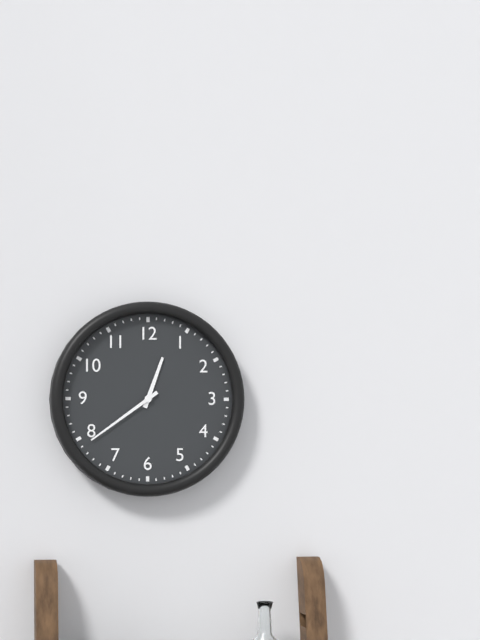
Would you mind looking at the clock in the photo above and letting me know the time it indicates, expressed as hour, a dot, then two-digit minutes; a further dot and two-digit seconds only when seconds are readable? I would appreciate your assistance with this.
12.39
